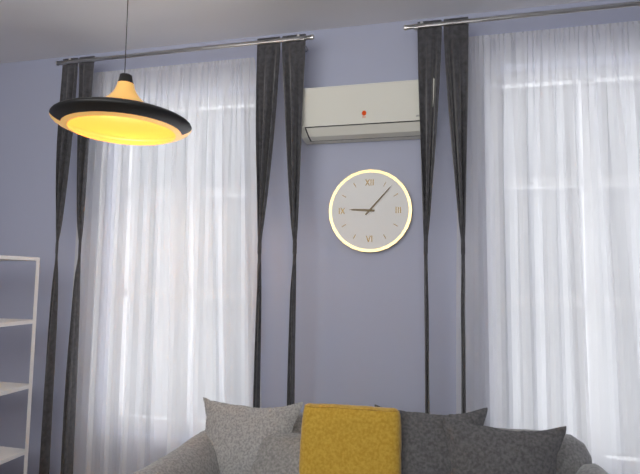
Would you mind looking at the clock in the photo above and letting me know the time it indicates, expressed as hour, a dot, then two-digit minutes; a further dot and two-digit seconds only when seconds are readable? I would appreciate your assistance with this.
9.07
